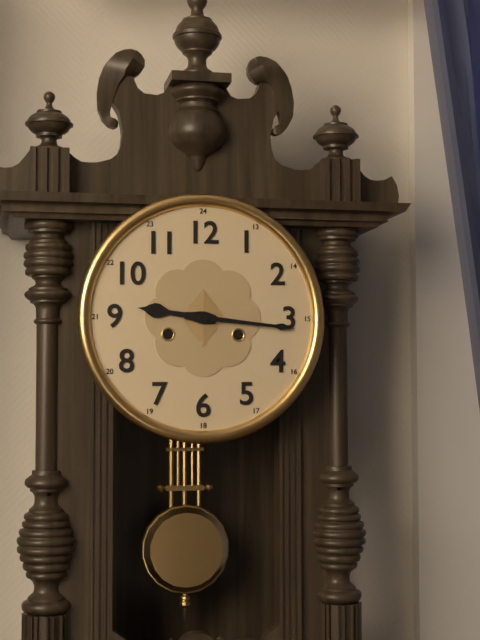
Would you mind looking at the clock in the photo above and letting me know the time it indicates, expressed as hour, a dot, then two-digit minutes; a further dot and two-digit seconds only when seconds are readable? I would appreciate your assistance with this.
9.16
